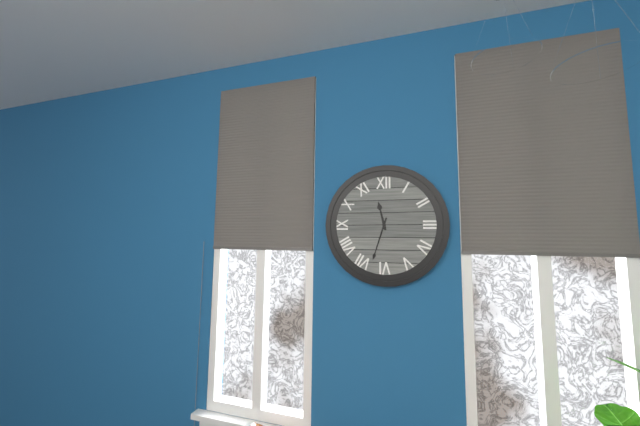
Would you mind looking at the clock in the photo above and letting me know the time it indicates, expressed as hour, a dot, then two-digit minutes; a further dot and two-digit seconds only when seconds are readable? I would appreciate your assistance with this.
11.33
